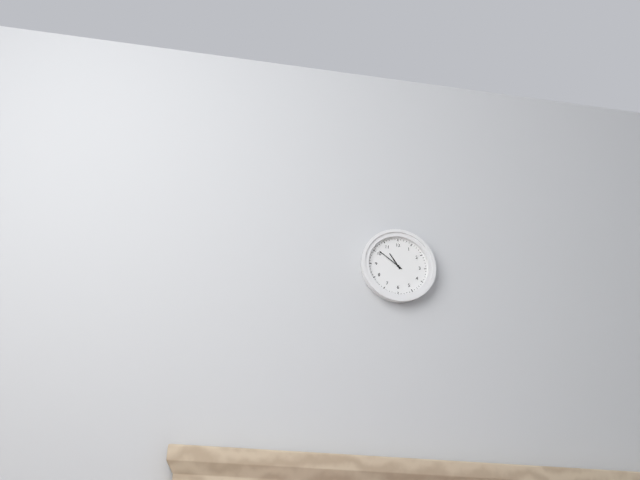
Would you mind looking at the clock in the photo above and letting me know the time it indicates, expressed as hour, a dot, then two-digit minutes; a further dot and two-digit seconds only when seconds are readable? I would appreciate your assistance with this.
10.51
